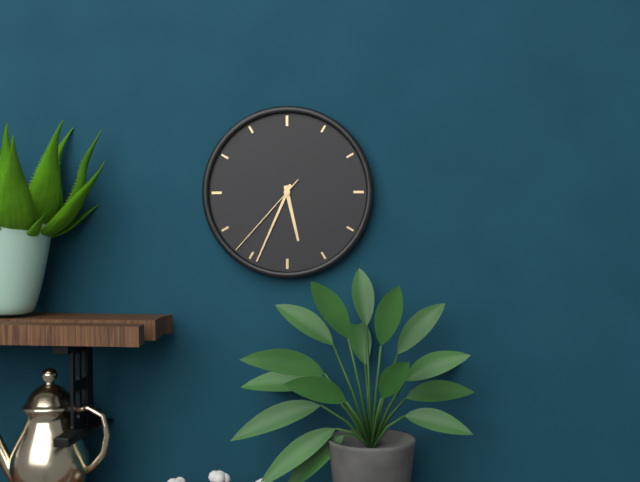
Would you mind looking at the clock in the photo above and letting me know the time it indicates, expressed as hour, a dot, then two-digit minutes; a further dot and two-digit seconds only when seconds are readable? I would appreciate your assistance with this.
5.34.37
